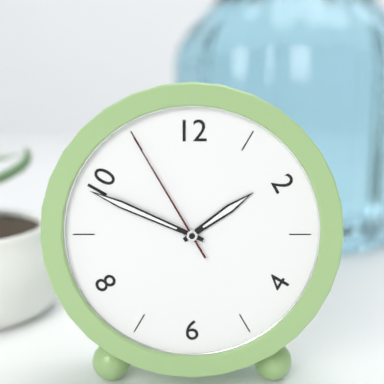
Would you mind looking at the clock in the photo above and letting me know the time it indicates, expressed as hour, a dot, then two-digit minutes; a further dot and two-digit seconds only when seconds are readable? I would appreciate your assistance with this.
1.49.55
